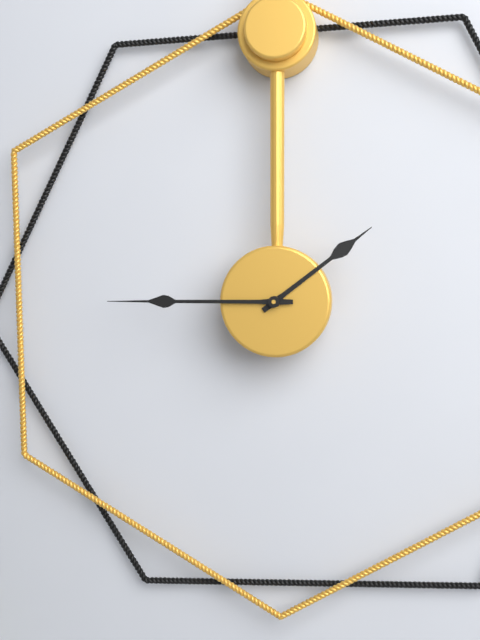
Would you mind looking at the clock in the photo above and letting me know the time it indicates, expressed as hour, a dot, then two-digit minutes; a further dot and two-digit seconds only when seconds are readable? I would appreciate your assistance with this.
1.45
